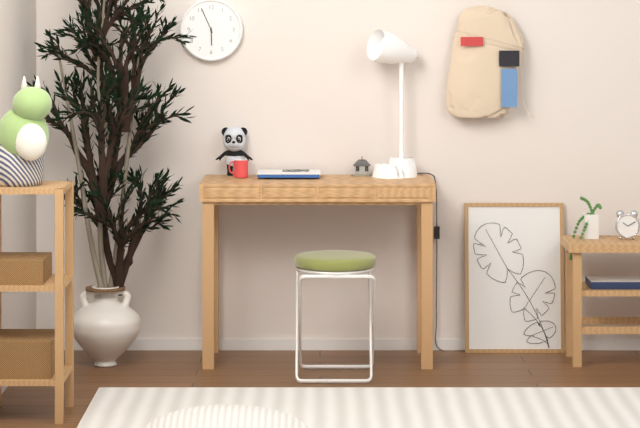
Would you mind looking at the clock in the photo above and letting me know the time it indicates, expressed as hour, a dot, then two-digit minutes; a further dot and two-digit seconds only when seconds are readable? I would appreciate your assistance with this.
5.56
